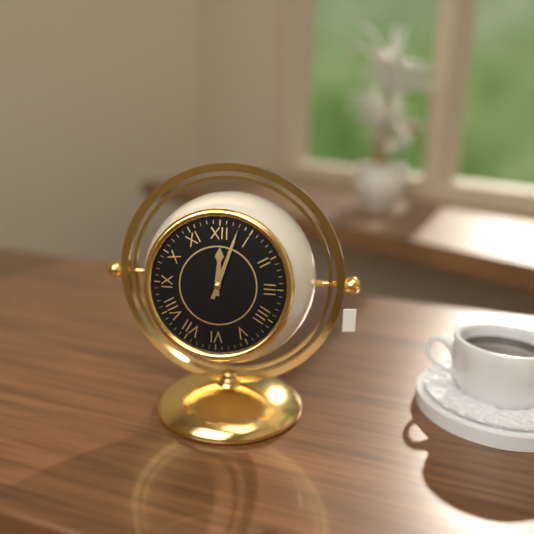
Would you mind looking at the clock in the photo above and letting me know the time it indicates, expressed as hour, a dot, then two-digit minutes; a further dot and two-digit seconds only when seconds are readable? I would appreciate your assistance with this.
12.03
